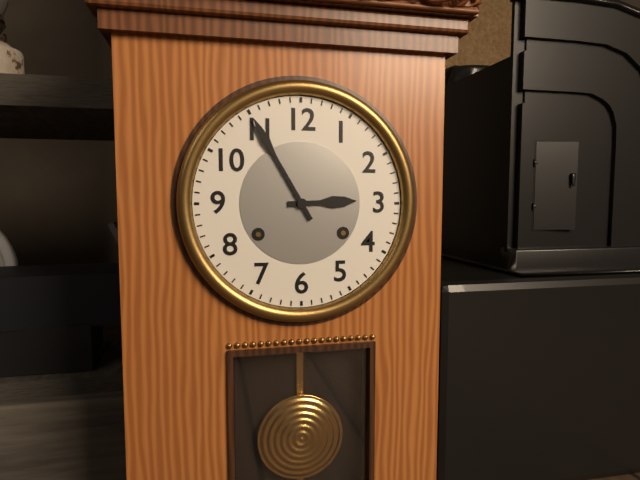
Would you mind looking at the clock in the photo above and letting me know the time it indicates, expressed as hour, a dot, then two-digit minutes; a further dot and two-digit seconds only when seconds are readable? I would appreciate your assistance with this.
2.55
